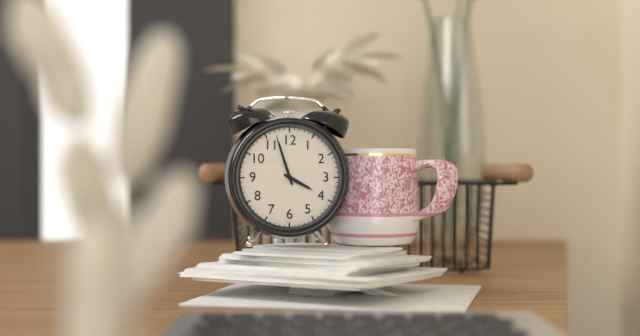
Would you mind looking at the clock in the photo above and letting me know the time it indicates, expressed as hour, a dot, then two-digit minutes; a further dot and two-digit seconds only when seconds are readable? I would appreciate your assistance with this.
3.57
